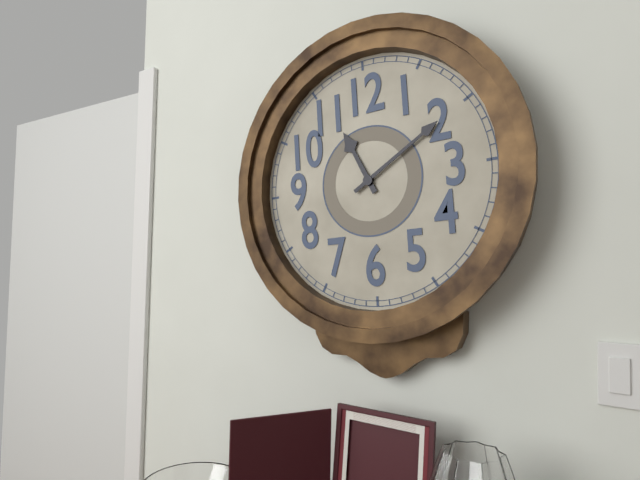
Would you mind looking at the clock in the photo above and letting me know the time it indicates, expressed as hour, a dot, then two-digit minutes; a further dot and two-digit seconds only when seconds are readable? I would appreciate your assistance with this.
11.10
